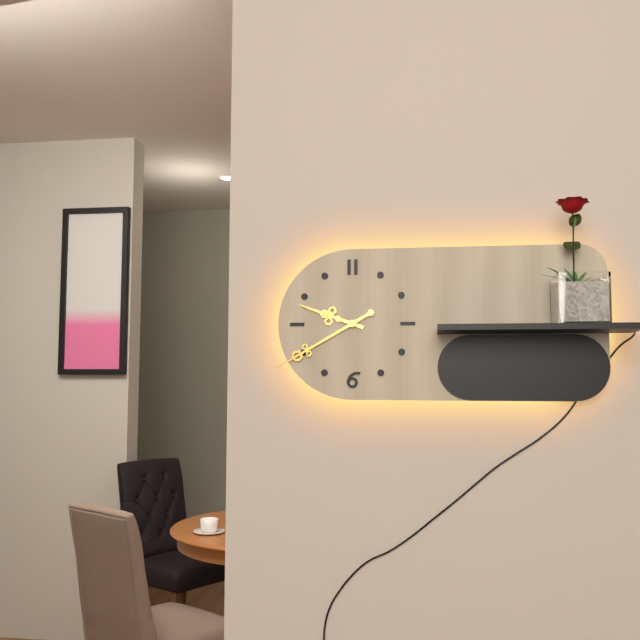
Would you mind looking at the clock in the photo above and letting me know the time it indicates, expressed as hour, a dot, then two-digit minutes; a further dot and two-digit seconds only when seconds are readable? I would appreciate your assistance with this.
9.40
